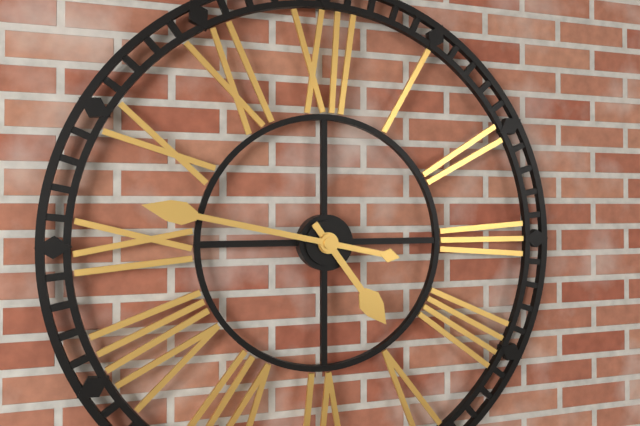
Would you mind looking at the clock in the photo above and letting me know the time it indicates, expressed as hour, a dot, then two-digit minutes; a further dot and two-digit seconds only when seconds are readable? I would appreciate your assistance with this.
4.47
